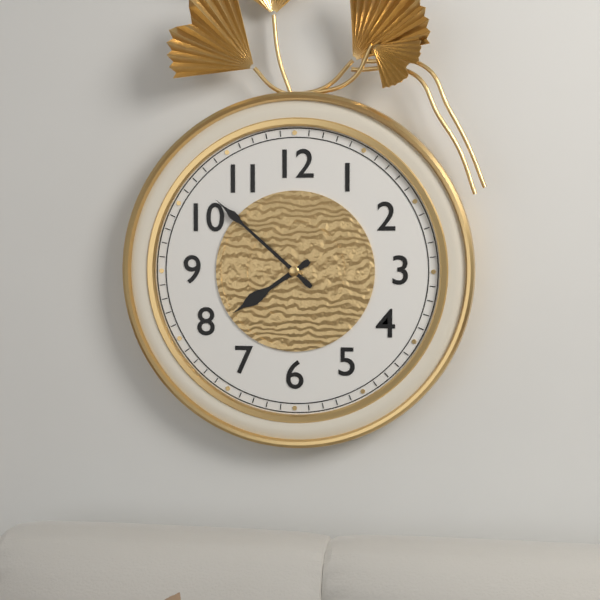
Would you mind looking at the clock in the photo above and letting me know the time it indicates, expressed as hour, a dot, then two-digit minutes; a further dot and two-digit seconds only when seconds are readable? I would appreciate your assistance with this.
7.52
